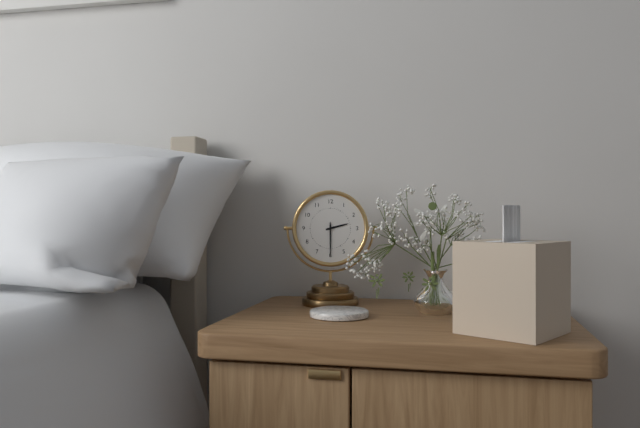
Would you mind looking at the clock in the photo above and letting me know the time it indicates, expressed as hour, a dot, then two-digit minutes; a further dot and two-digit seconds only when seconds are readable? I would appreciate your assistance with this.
2.30
